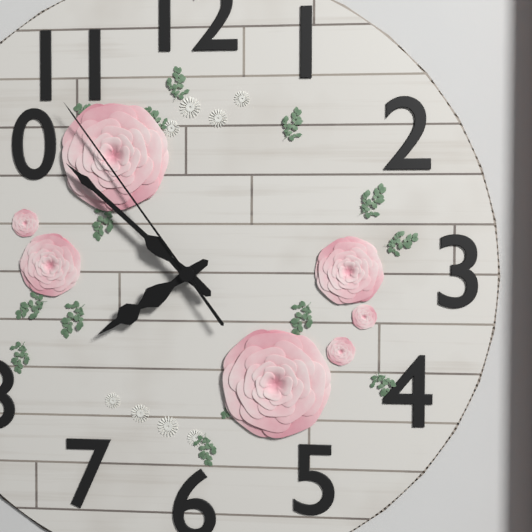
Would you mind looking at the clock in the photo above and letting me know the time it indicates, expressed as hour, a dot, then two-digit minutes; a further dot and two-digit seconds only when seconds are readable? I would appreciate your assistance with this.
7.52.54
